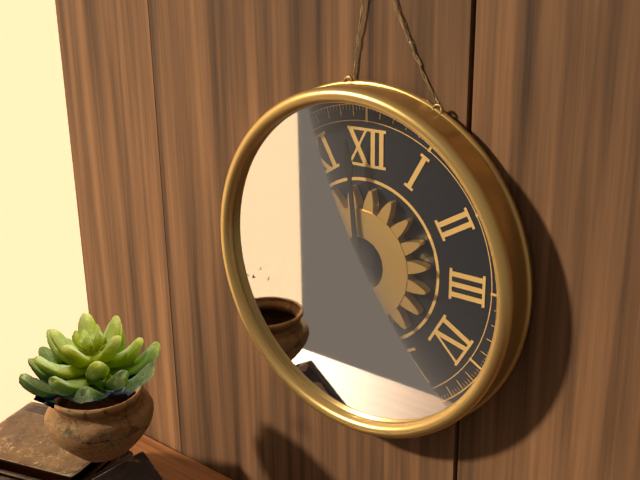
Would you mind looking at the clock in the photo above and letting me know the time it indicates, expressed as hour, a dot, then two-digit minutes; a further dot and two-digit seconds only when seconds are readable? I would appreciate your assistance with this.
9.59
